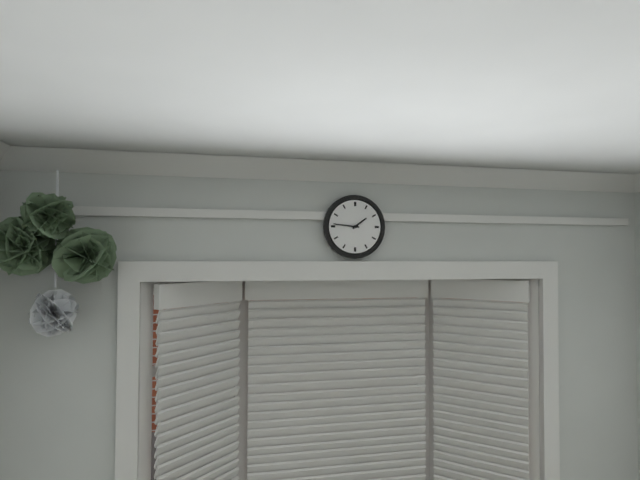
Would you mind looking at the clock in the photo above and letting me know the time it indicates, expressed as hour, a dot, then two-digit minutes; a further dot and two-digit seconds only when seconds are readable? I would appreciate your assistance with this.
1.46
